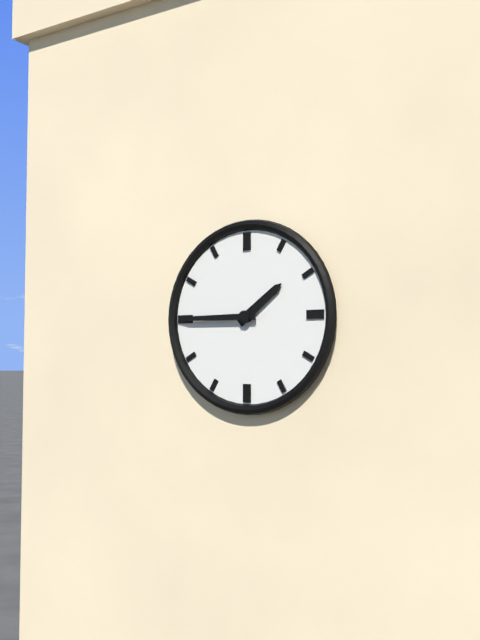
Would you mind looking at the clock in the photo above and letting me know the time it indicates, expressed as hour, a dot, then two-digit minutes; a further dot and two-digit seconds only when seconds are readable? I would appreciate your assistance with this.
1.45
